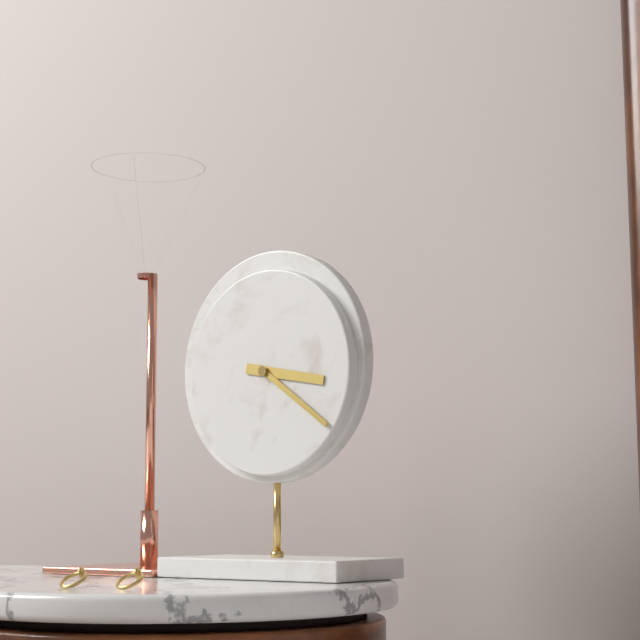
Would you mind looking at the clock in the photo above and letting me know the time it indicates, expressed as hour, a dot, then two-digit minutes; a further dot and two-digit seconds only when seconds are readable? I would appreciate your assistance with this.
3.21
